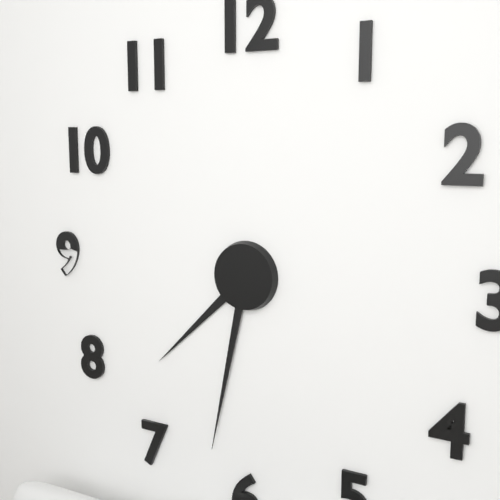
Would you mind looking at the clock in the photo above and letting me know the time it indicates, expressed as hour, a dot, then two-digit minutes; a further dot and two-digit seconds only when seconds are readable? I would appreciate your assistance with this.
7.32
